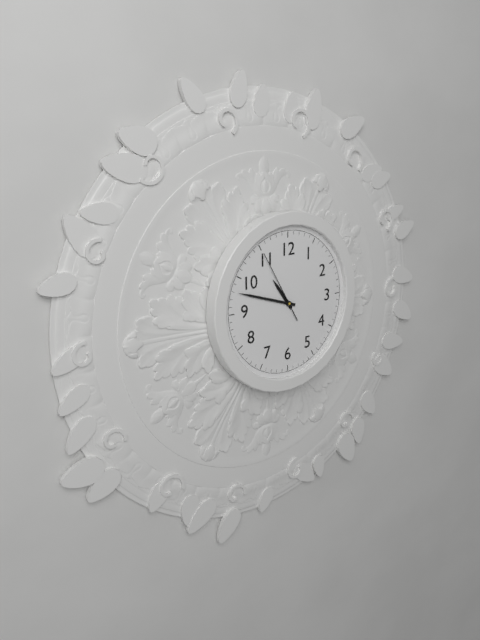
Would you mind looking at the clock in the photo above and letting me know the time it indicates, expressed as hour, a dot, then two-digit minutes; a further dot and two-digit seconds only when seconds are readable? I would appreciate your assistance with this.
10.48.55
